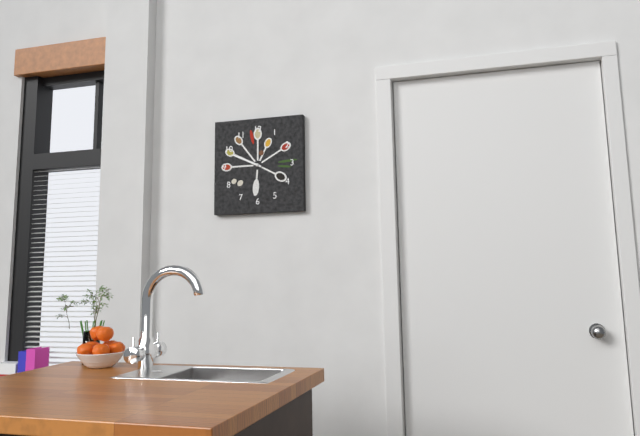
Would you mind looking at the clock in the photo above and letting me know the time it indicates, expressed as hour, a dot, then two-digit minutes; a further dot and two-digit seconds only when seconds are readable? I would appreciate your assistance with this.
9.49
